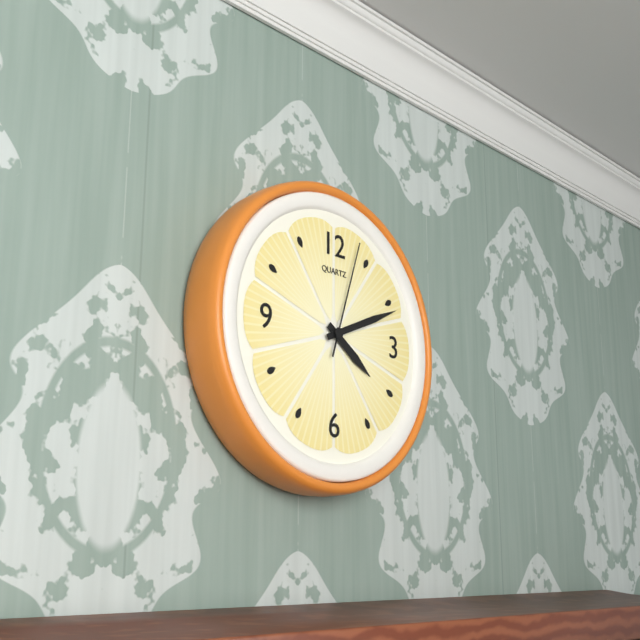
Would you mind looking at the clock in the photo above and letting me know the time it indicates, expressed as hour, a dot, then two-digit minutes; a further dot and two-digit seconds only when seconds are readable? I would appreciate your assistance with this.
4.11.03
